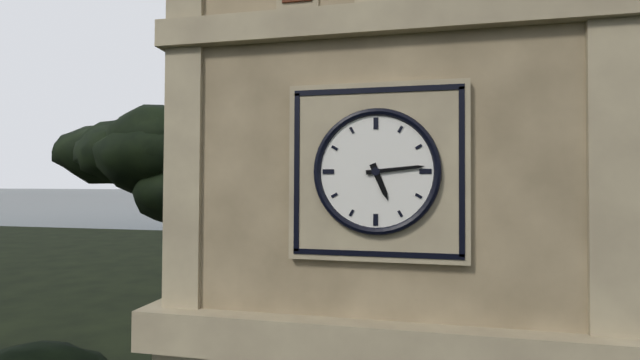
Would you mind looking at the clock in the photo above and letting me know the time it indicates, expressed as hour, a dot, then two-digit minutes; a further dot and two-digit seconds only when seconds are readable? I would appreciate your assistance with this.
5.14
